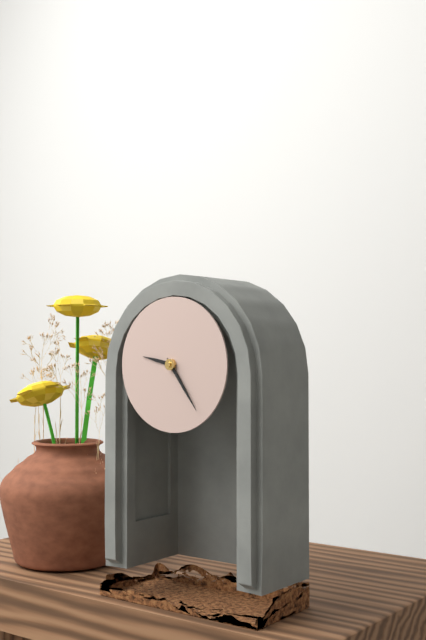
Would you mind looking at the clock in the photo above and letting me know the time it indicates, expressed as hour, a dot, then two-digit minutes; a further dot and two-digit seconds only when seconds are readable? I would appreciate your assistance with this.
9.24
